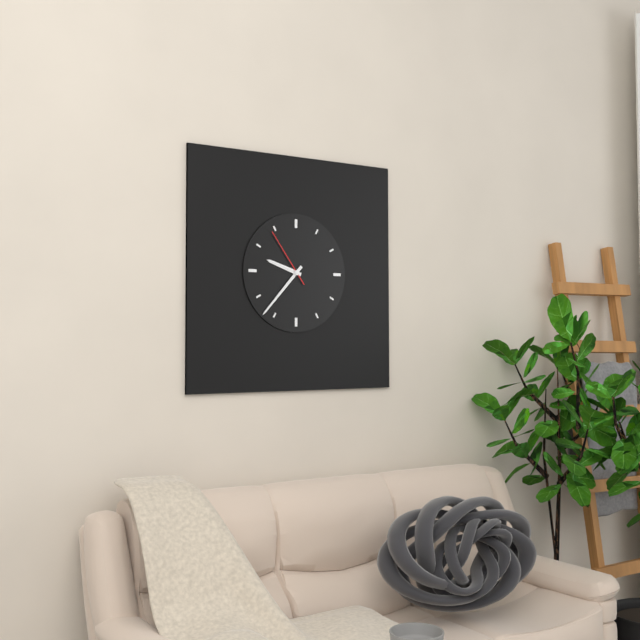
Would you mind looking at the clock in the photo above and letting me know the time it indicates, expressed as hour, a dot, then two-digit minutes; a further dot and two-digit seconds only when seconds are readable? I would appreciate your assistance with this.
9.37.54
